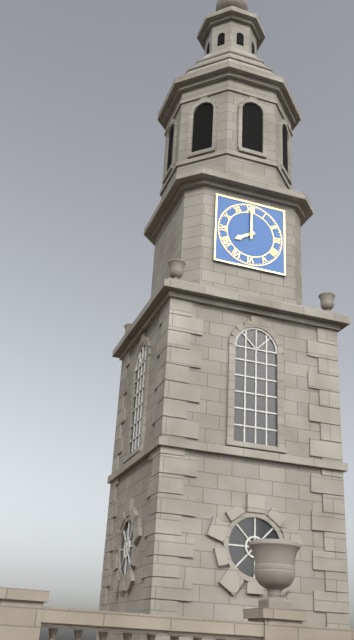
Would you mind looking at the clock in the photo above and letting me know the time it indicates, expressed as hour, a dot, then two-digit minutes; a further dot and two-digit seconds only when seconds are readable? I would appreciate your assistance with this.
8.00
